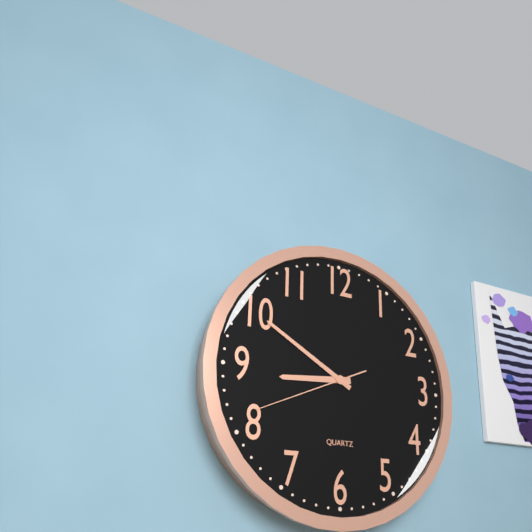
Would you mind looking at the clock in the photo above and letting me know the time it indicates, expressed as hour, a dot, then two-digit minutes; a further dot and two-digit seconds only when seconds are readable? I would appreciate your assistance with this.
8.50.41
